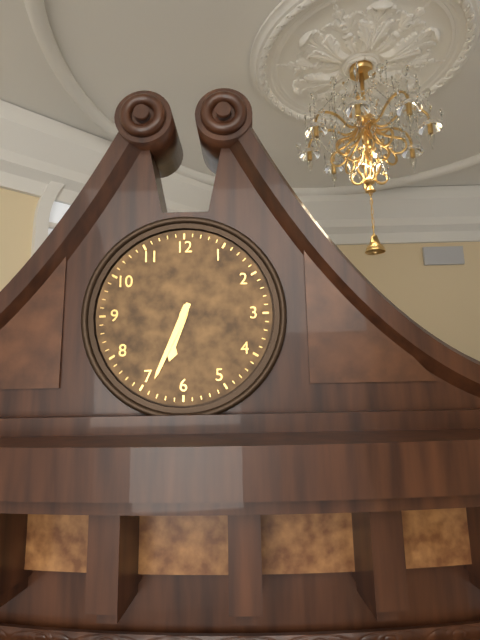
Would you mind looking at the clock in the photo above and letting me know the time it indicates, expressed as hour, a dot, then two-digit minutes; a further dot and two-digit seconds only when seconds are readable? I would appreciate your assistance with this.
6.34
